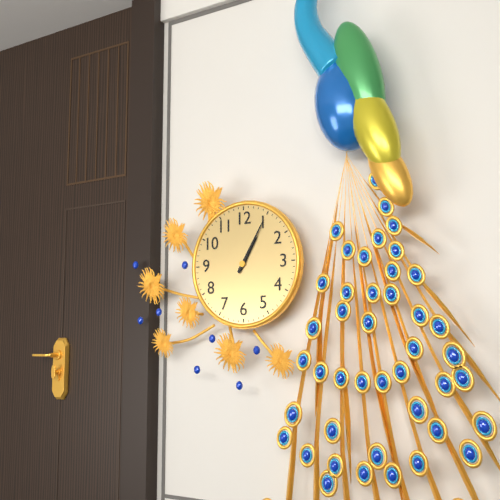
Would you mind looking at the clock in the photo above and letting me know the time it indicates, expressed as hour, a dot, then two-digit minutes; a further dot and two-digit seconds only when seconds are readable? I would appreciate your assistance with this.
1.05
